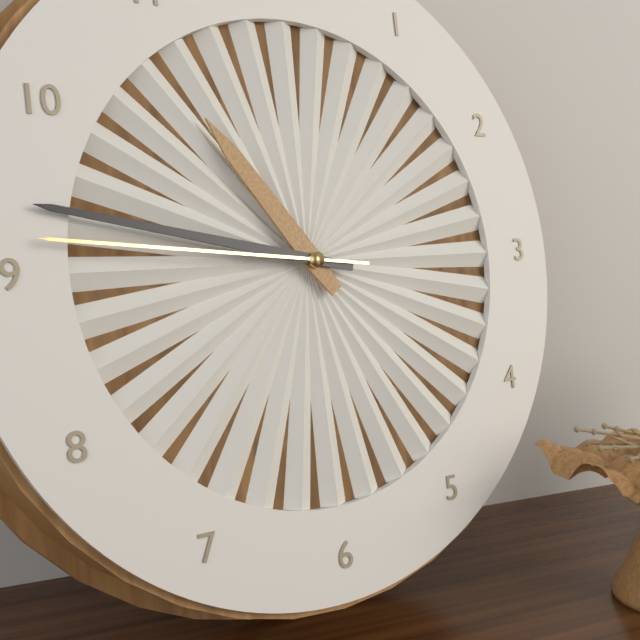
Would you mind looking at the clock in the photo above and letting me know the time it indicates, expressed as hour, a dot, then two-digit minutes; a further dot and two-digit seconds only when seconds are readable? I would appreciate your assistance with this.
10.47.46
